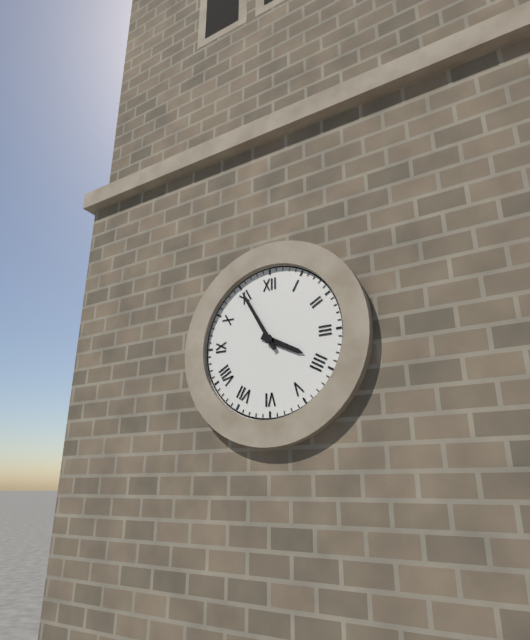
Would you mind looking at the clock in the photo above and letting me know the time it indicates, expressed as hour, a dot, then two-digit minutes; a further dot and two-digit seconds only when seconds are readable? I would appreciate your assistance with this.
3.55
